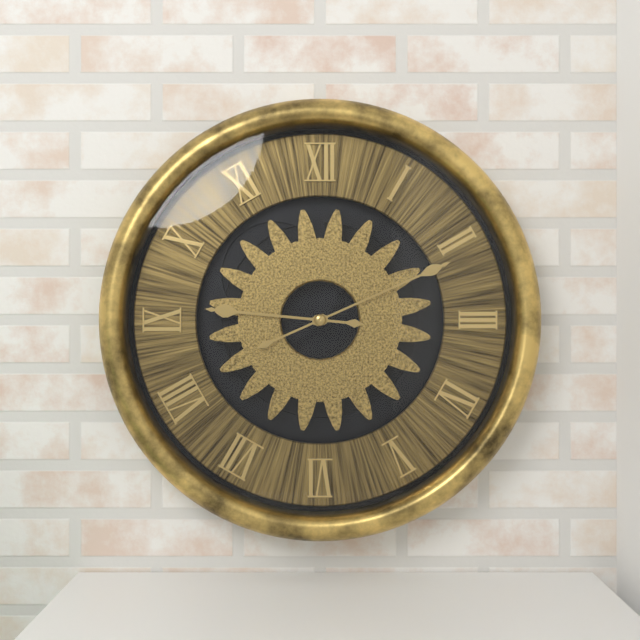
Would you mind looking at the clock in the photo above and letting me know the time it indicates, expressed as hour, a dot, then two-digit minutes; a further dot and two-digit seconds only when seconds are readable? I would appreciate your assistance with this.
9.11
